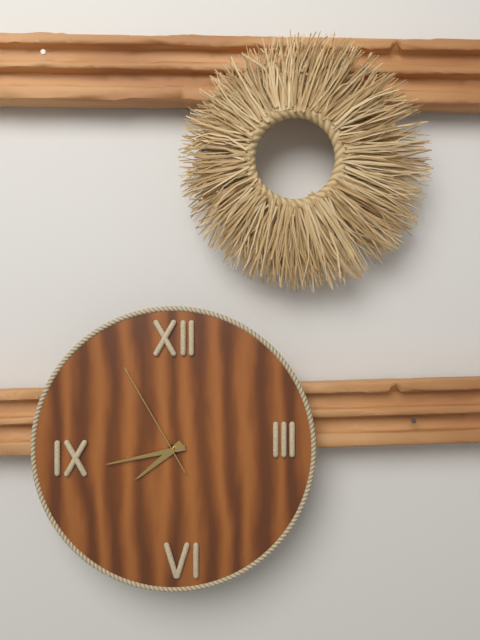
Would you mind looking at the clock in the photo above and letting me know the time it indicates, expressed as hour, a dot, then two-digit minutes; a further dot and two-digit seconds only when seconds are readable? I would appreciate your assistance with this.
7.43.55
